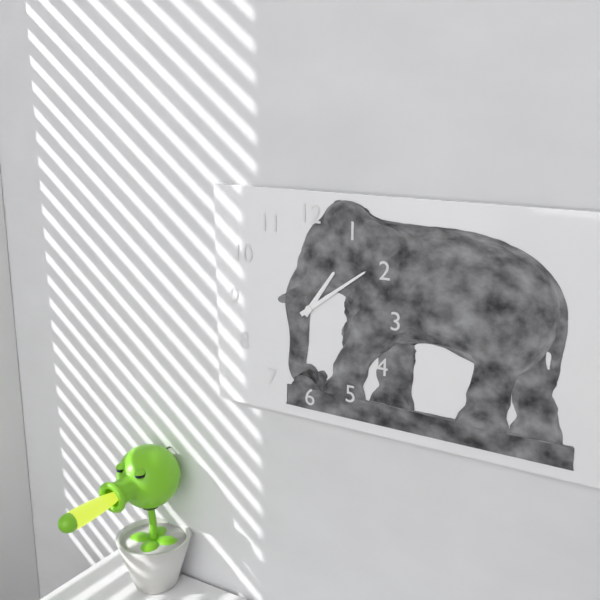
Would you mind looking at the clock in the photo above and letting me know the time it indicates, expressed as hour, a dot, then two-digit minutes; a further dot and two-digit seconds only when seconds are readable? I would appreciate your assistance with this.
1.09
